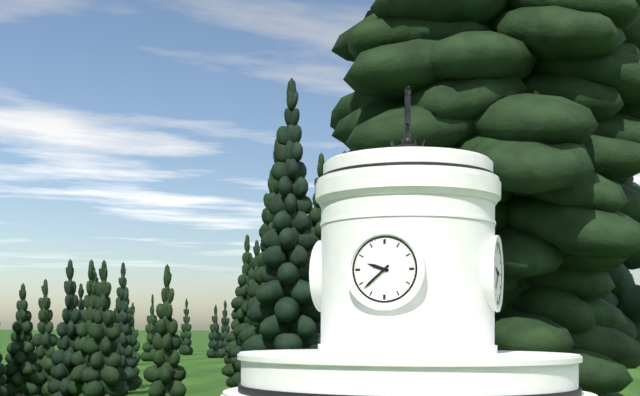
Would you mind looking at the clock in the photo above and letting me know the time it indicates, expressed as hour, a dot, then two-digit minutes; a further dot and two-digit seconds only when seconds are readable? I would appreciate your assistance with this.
9.38
